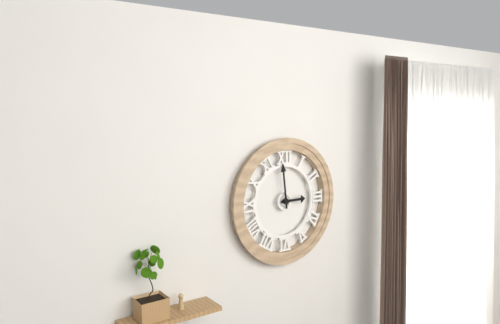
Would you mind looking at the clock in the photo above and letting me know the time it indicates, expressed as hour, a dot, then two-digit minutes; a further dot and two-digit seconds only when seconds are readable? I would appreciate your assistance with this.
2.59
